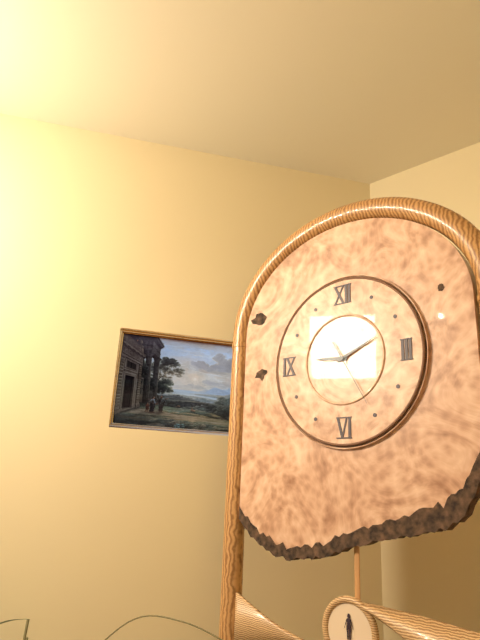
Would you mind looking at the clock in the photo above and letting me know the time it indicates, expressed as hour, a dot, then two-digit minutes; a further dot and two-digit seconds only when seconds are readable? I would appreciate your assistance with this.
9.11.25
